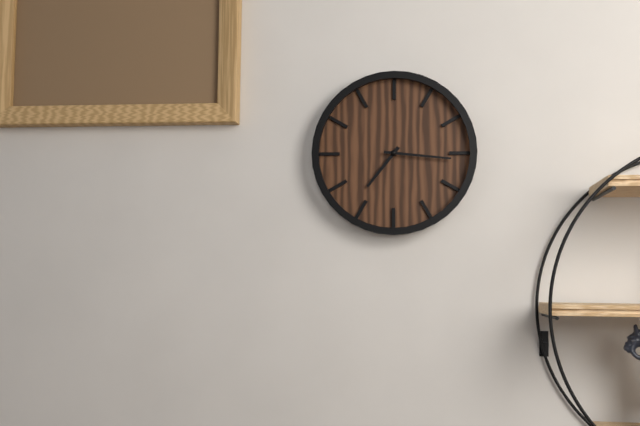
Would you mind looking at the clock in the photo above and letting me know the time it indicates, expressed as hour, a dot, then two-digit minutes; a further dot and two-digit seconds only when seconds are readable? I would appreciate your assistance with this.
7.16
